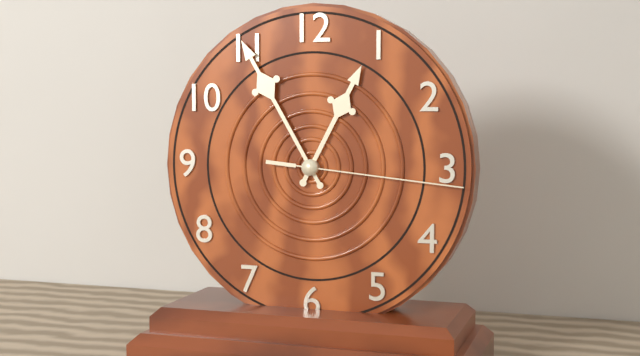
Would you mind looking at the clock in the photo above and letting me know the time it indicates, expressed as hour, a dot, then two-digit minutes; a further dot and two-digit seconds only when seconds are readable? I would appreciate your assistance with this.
12.55.16
